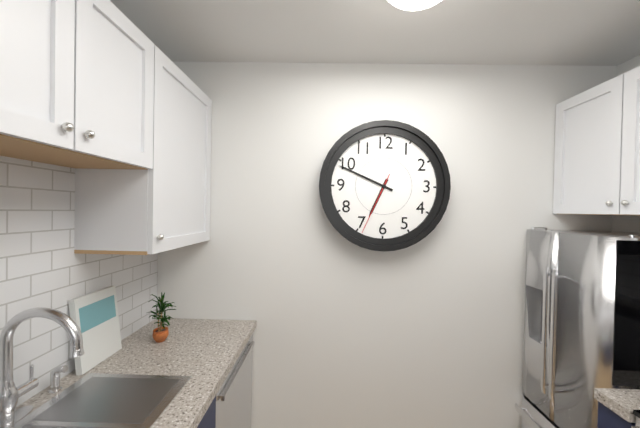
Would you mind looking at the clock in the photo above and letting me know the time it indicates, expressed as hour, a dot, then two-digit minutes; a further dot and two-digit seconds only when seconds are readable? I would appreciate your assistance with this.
6.49.34
